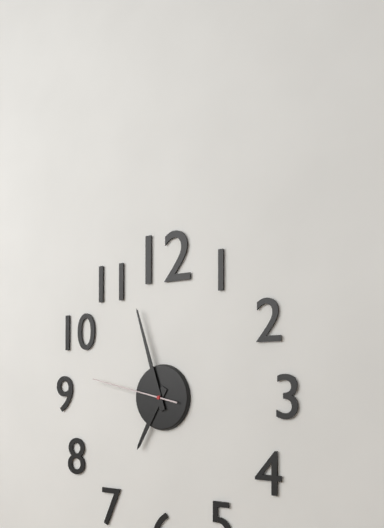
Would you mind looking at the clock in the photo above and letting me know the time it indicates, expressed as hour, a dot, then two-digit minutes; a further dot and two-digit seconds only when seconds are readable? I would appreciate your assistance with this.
6.57.47
